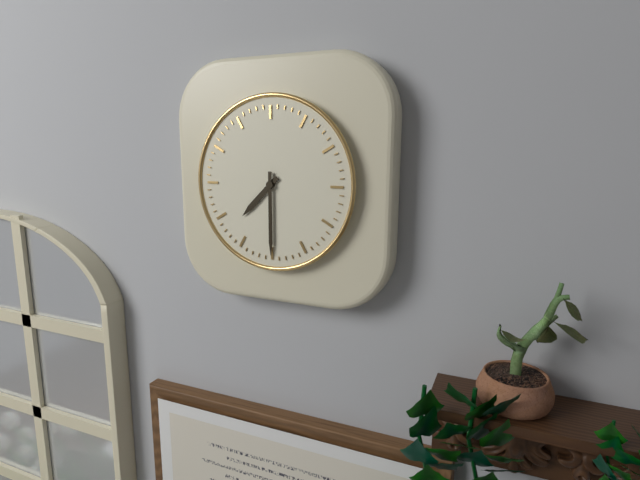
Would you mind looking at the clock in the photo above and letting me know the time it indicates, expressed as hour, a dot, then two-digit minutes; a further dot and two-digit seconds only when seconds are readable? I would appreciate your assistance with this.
7.30
